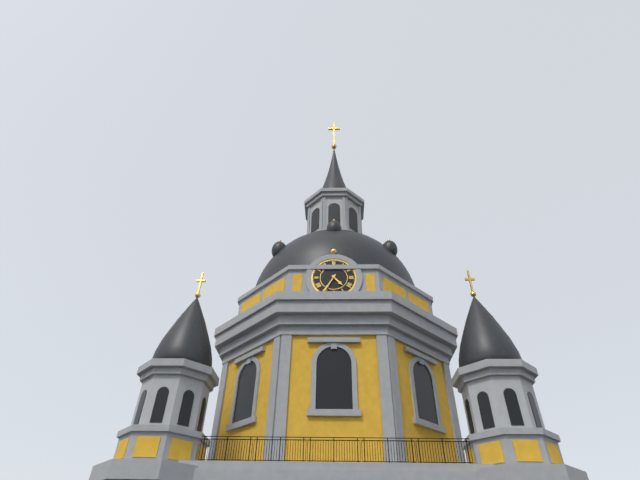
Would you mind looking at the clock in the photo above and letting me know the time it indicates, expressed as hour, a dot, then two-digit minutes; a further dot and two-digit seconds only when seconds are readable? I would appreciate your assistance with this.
4.35
